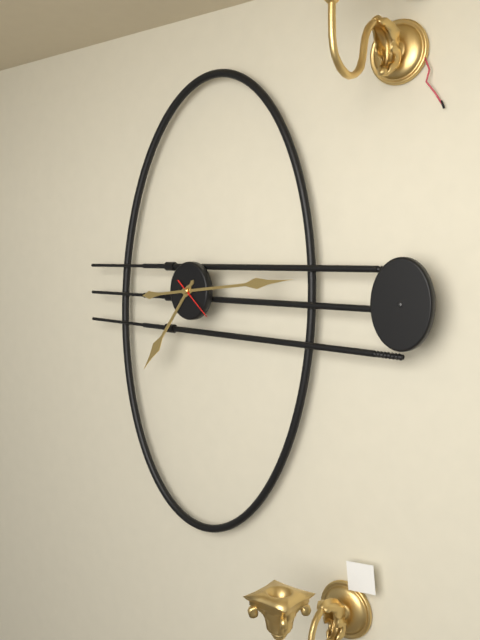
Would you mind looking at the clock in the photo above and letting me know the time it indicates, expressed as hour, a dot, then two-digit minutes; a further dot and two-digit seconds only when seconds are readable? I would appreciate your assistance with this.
7.14
